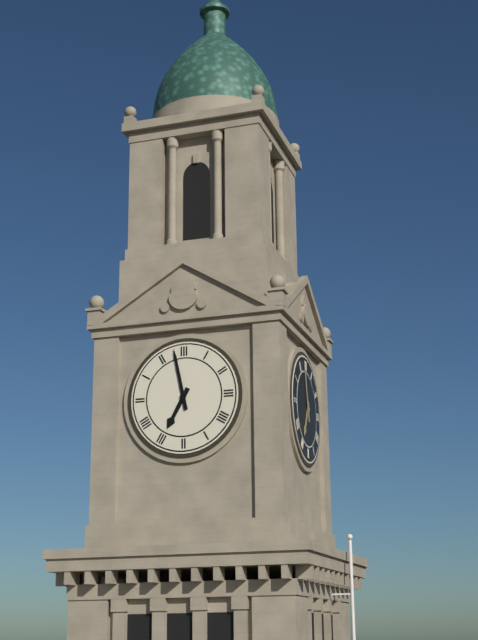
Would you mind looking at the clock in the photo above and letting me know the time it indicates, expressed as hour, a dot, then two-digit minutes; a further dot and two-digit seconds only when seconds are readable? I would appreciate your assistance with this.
6.58
